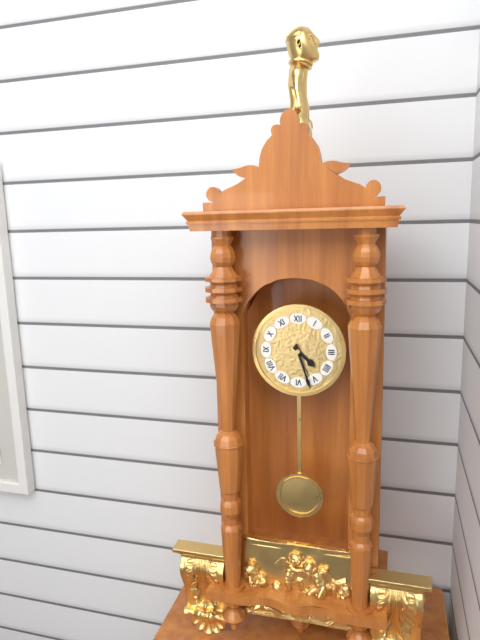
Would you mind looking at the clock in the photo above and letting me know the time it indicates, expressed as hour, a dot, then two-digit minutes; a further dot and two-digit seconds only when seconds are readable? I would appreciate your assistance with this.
4.27
